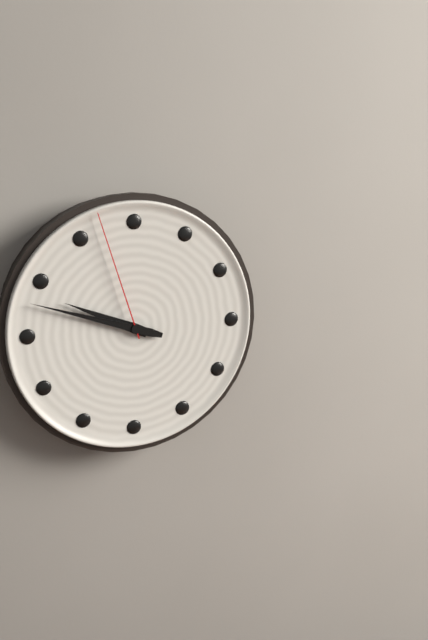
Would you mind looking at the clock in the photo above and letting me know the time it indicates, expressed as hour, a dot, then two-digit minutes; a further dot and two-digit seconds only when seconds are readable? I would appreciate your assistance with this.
9.48.57
